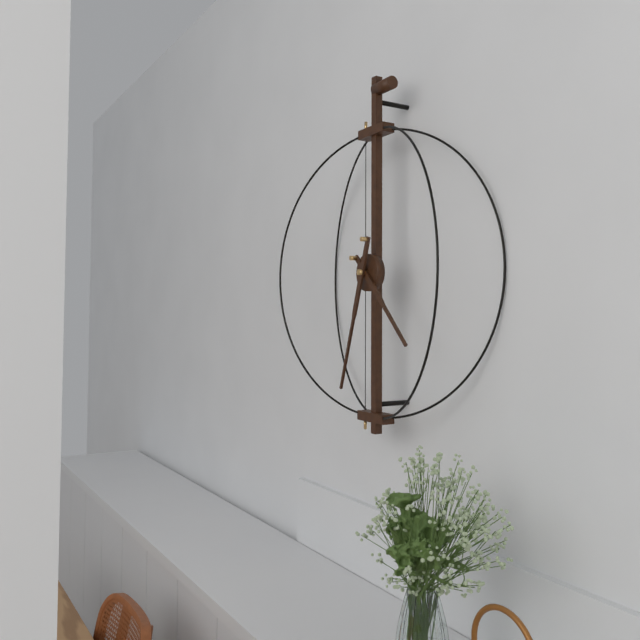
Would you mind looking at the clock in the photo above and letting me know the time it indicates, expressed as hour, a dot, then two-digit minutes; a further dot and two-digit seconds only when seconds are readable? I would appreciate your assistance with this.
4.33
